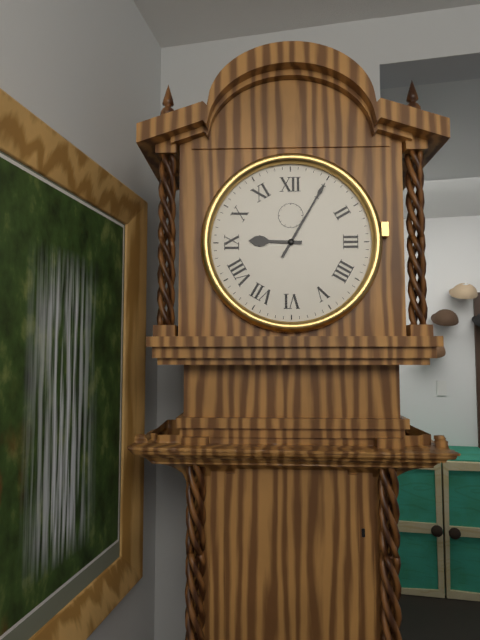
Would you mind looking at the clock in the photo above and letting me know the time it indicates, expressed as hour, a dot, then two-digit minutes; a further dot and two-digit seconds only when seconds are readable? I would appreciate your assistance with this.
9.05
